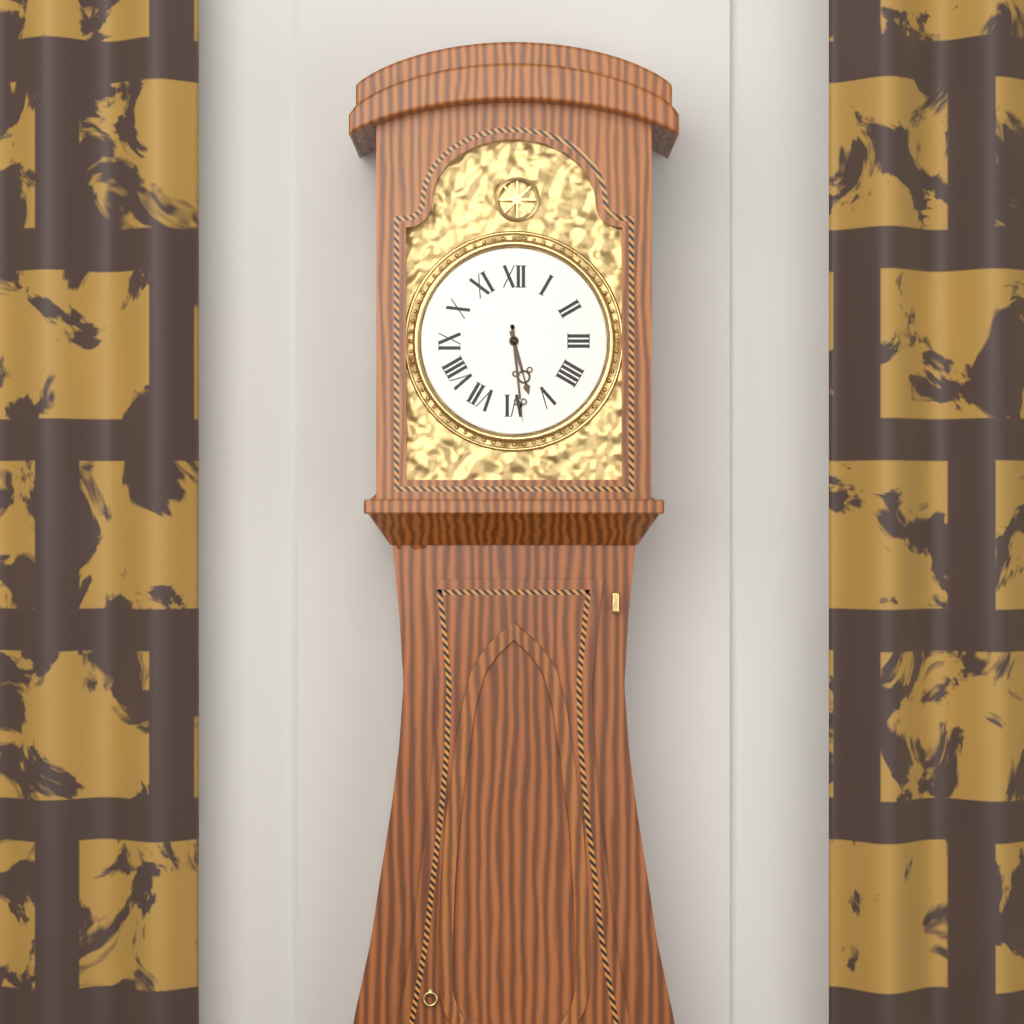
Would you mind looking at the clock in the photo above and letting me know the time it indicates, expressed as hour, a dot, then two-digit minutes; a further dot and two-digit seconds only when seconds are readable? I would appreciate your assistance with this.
5.29
